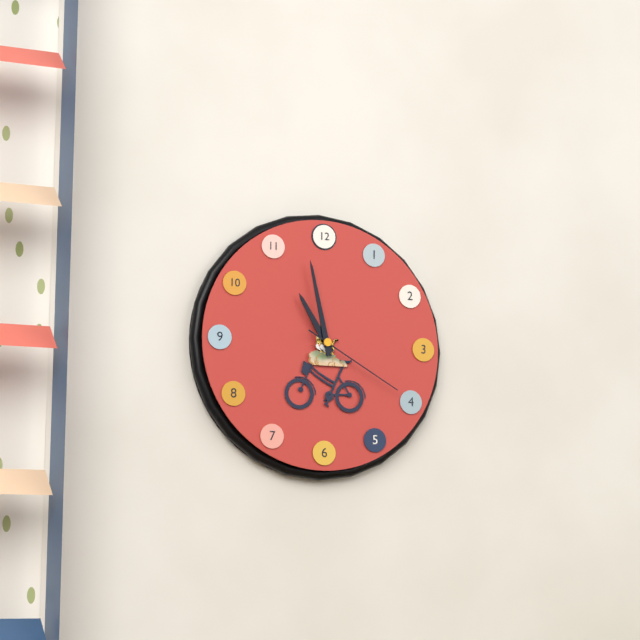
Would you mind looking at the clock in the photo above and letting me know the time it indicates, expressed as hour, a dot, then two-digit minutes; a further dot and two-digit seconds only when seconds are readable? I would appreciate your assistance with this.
10.58.20
